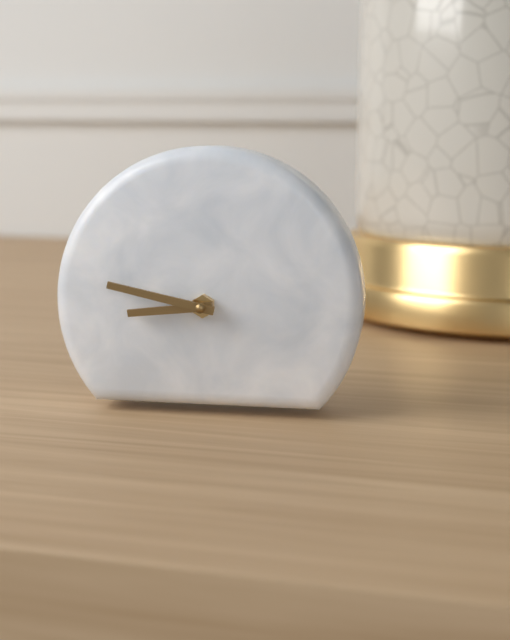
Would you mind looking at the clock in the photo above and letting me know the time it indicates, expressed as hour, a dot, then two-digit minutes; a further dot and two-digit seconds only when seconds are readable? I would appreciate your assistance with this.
8.47
